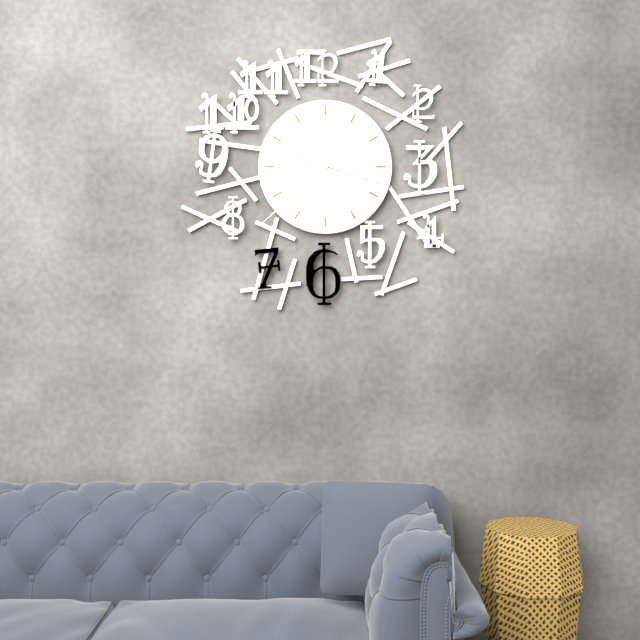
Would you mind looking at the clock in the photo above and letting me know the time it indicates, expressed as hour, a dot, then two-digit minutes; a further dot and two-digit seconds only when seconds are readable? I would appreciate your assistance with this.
1.38.18
